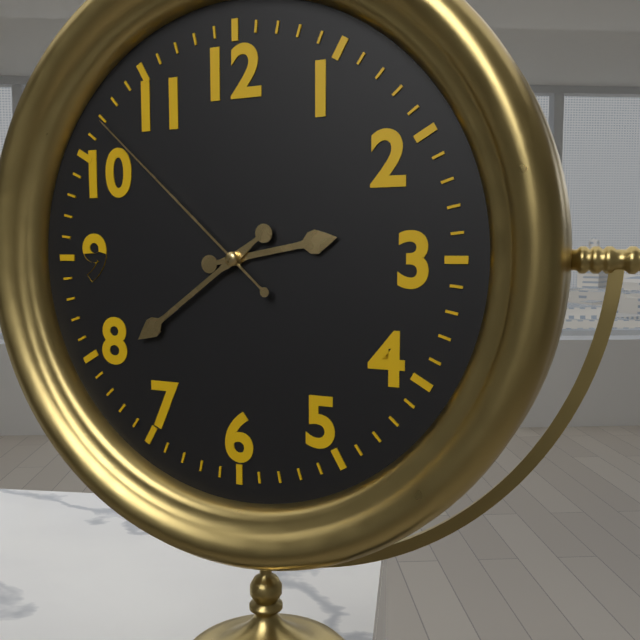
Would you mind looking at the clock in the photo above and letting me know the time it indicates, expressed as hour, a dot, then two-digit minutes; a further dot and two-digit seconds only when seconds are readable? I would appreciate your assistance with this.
2.39.52
